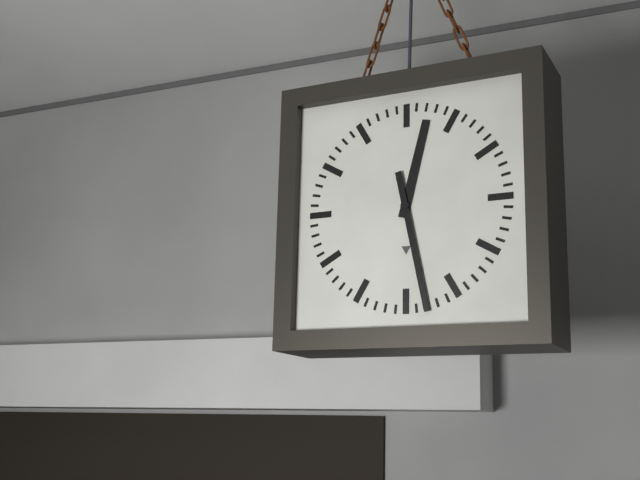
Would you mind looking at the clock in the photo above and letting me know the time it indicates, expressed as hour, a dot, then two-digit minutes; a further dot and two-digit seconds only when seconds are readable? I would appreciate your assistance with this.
12.28
